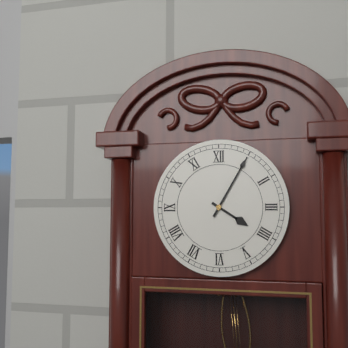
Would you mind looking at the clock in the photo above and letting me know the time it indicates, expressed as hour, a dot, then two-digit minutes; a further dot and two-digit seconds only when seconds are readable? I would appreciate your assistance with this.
4.05
